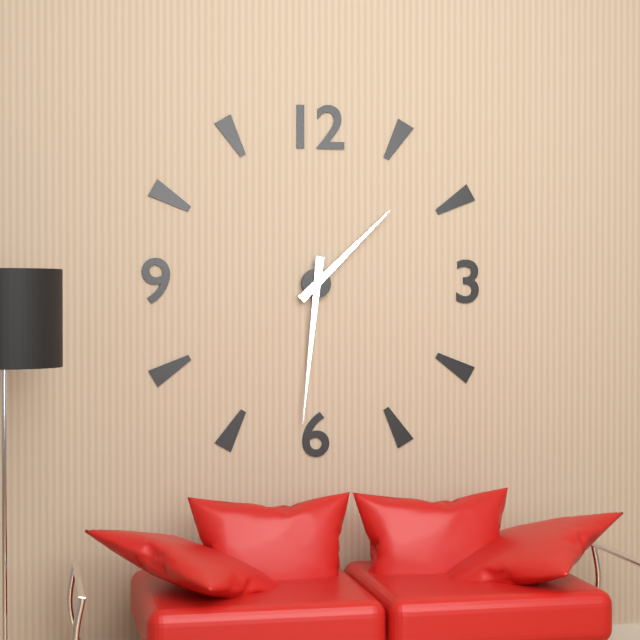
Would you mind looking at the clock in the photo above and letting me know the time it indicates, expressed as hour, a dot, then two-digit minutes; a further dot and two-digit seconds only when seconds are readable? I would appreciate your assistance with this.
1.31
